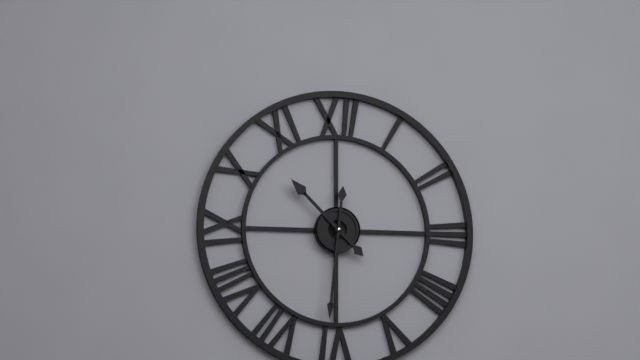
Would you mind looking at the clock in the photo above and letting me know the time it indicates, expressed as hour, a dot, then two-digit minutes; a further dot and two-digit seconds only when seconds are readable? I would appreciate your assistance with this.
10.31
